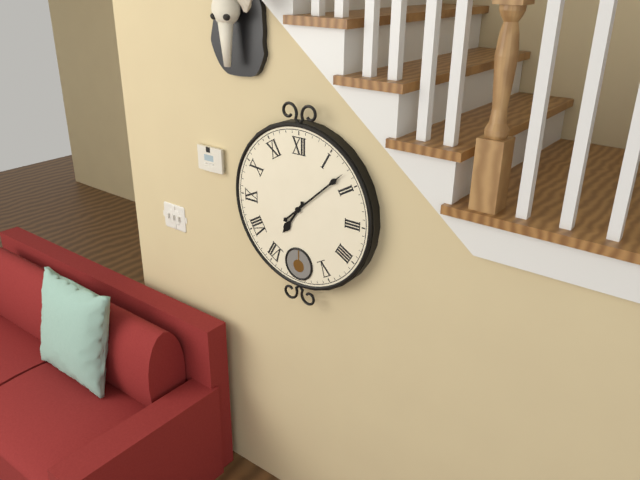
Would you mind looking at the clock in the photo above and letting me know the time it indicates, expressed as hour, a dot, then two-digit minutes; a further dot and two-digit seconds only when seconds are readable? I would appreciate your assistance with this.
7.08
